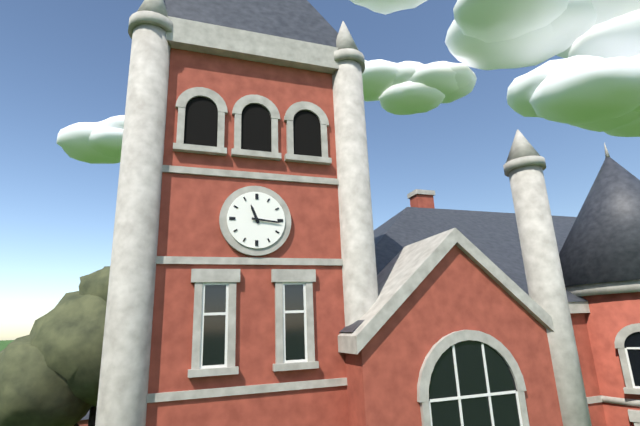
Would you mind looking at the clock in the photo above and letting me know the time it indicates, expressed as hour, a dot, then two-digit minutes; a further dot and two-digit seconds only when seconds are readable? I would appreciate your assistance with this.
11.16
